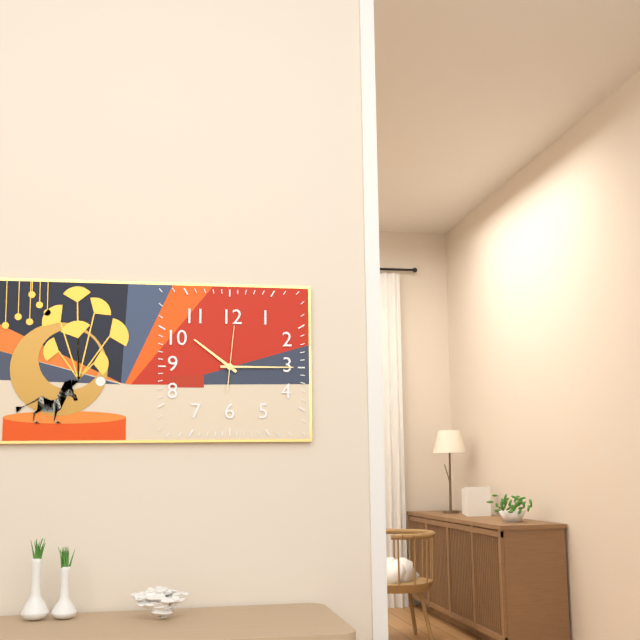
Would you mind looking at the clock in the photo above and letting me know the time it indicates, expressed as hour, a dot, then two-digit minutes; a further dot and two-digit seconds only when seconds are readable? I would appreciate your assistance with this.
10.15.01
